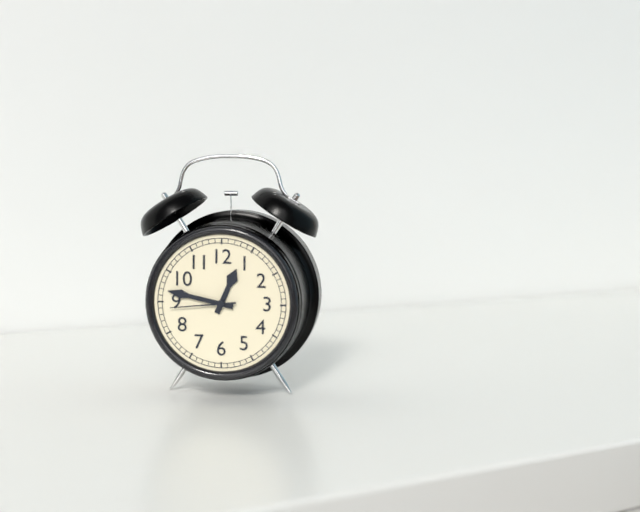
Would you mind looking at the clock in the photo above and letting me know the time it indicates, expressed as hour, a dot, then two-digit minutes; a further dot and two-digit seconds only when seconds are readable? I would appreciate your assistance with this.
12.47.44
